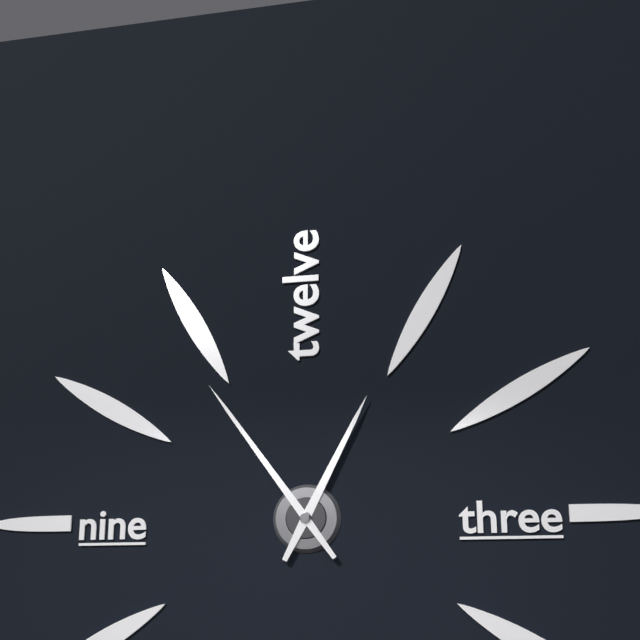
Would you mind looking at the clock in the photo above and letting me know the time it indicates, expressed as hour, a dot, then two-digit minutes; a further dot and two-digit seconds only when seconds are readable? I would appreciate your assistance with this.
12.54
